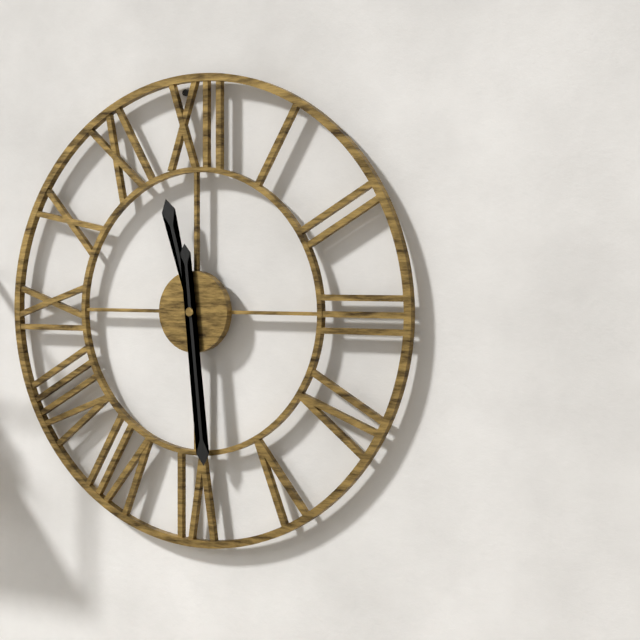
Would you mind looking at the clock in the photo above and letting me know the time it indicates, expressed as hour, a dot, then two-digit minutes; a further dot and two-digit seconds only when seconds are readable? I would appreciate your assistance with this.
11.29
